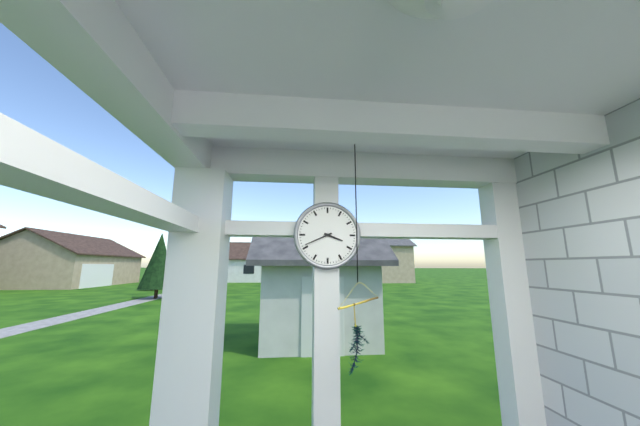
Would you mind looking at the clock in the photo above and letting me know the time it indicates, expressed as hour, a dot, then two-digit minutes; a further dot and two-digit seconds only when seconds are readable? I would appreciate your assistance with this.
3.41
